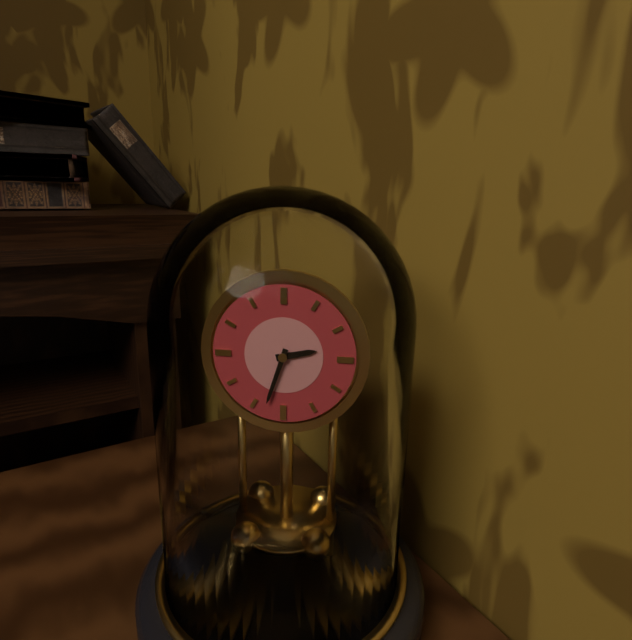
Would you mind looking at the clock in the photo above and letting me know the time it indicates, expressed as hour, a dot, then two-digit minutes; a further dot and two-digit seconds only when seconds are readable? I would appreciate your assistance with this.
2.33
